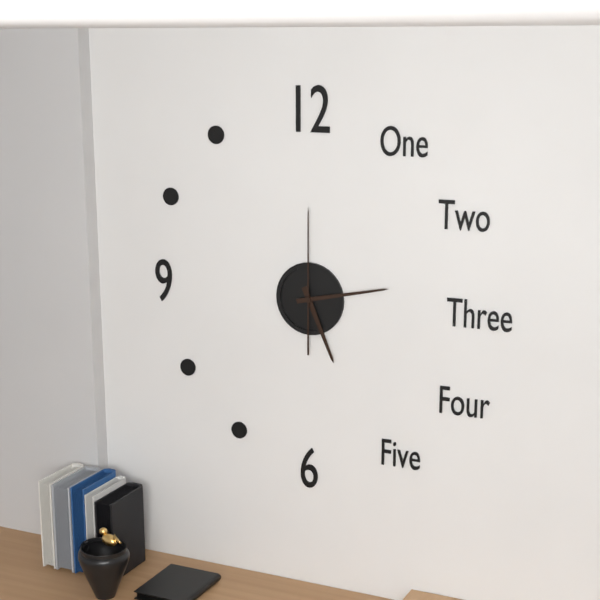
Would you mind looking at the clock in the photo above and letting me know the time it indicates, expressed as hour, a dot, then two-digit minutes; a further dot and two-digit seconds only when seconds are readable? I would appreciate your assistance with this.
5.13.00
